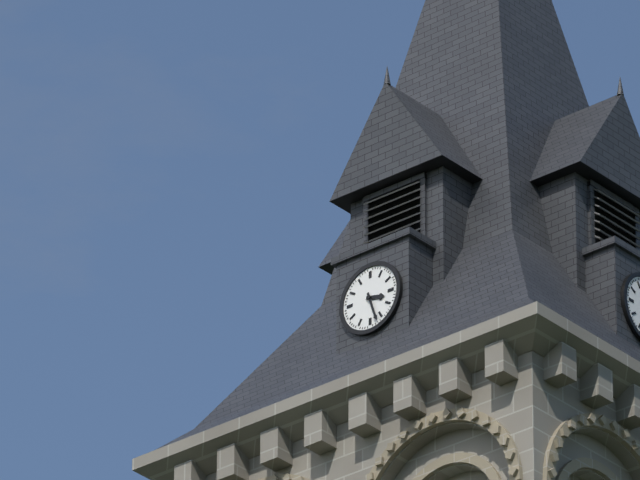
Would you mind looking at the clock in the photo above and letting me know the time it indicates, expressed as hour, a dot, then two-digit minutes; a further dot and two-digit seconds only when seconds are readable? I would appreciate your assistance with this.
3.27
